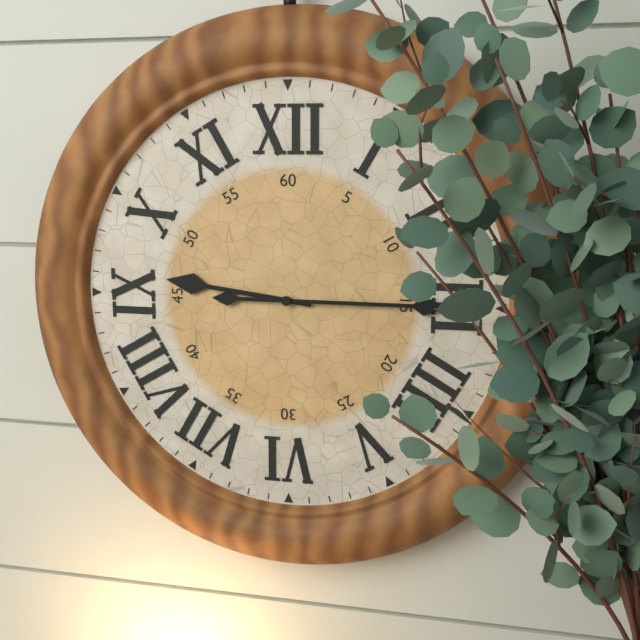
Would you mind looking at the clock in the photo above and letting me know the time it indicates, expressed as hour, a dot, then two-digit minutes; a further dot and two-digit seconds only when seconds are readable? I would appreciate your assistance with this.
9.15
